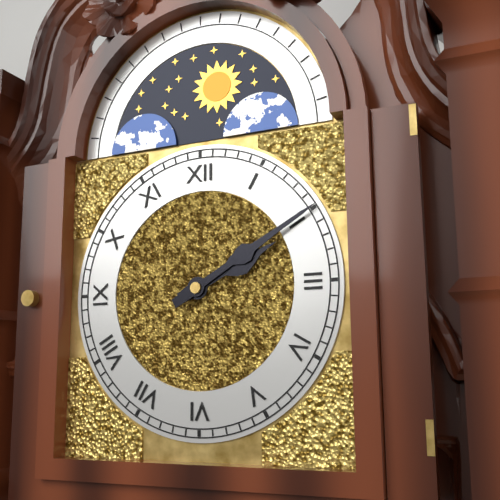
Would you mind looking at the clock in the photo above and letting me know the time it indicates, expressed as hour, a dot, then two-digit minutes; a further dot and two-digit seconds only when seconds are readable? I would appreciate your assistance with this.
2.10
